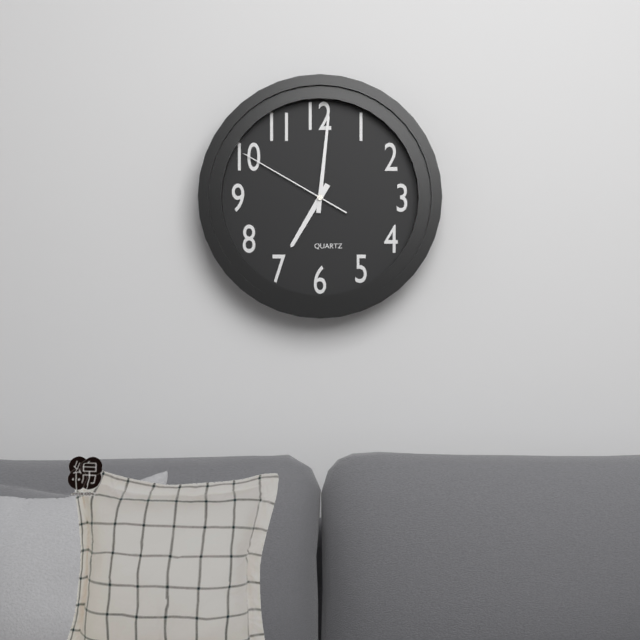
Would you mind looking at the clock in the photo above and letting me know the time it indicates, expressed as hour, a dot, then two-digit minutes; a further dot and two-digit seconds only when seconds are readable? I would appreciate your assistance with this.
7.01.50
